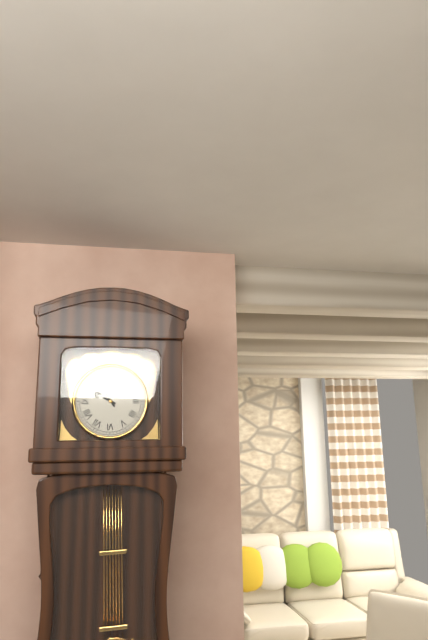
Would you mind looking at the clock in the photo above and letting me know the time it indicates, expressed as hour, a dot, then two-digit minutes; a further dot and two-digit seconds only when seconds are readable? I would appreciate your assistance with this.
9.54
